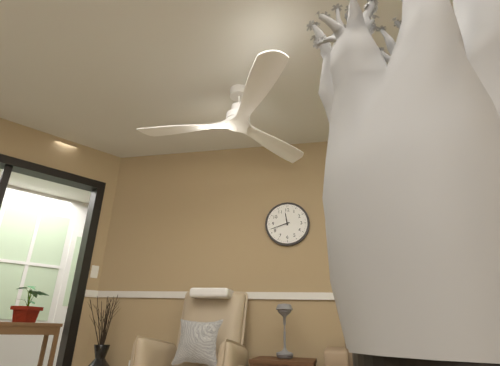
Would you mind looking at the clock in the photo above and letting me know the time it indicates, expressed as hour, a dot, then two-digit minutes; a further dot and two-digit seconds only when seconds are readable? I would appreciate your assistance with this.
11.42
